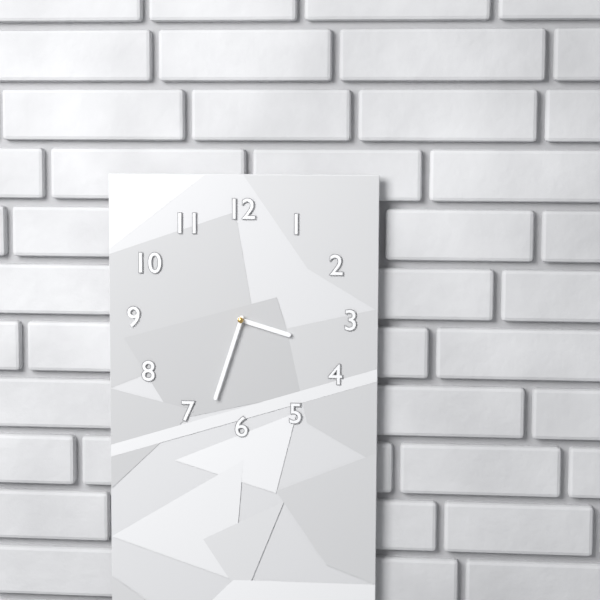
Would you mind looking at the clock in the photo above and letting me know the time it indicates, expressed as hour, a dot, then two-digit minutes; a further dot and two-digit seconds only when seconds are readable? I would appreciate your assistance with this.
3.33
